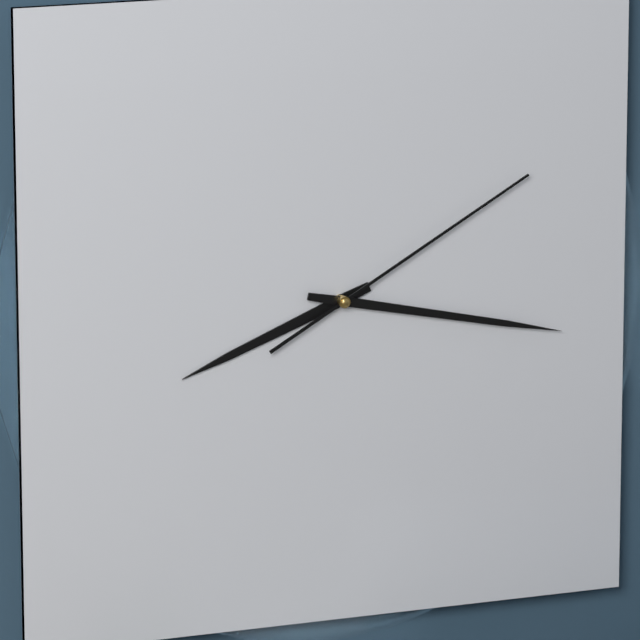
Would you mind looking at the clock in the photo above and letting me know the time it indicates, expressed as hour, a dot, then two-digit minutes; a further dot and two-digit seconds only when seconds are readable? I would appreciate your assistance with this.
8.17.10
